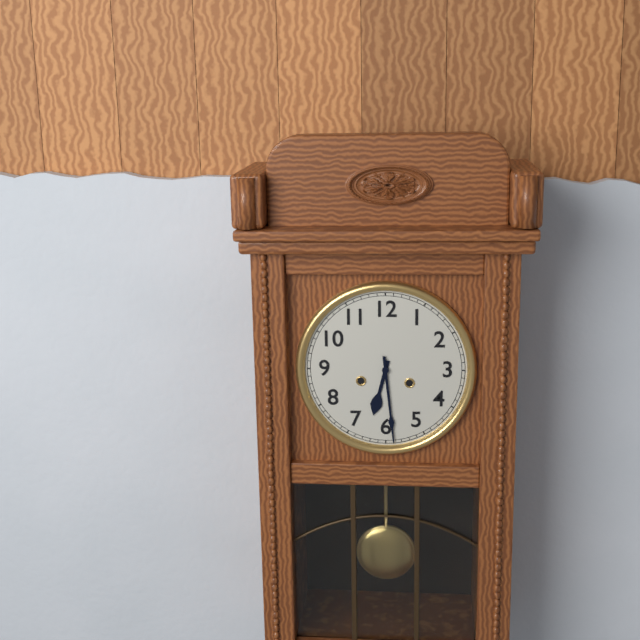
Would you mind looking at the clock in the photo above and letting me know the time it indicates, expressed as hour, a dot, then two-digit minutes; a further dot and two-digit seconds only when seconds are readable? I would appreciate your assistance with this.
6.29
